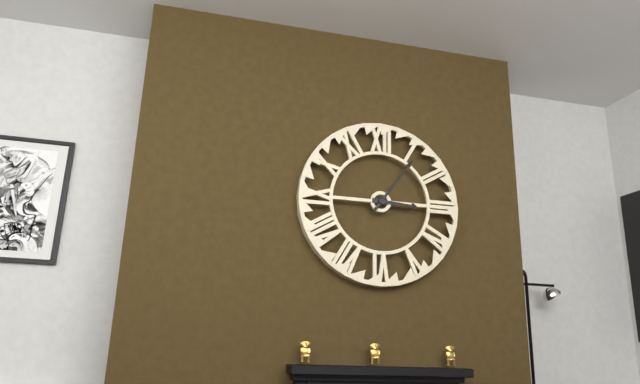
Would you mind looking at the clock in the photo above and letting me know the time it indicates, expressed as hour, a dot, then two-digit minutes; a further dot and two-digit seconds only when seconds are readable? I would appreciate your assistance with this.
3.06
